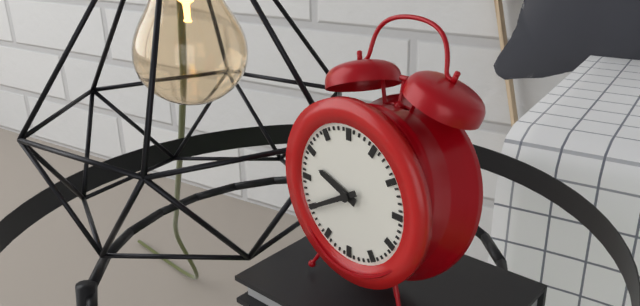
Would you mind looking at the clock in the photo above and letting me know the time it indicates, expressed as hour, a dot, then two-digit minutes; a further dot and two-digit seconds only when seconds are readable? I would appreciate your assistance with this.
9.40
